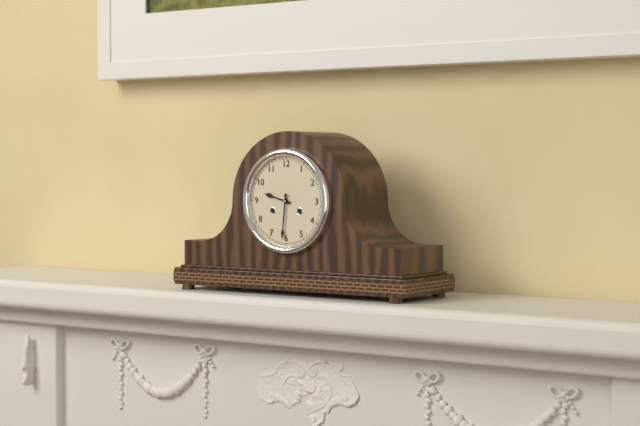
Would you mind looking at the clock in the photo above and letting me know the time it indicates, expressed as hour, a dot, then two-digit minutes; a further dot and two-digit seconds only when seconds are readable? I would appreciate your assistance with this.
9.31
